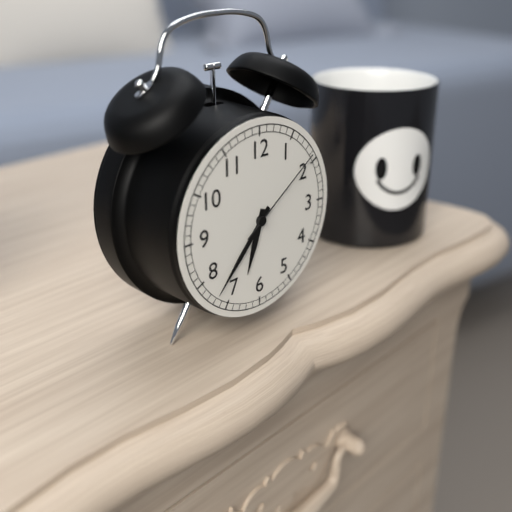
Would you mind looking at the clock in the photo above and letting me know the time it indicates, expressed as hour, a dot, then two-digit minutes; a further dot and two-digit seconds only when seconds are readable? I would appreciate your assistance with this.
6.37.09
